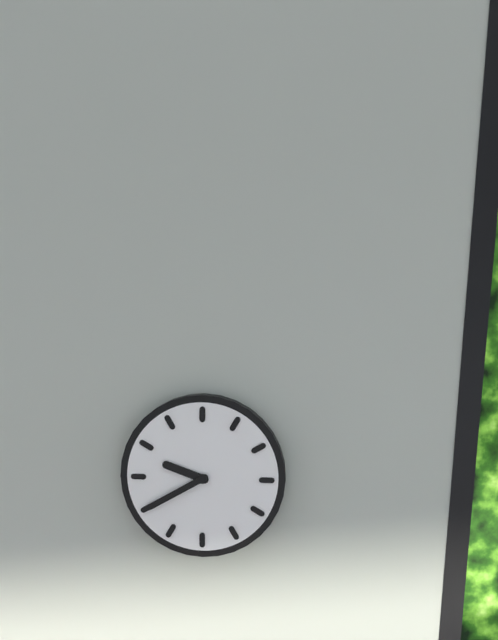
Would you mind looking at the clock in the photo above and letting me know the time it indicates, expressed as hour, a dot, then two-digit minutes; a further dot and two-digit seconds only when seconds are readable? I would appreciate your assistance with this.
9.40
